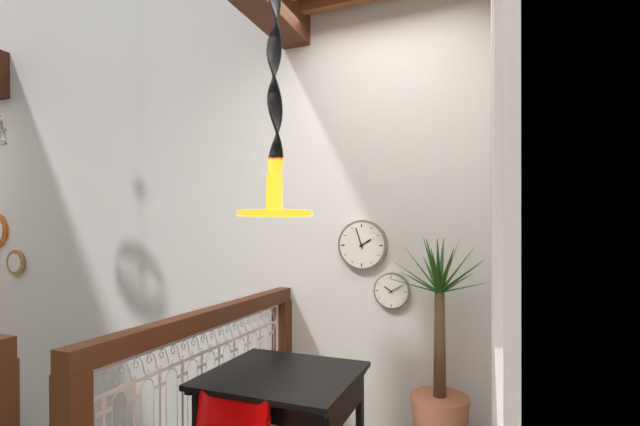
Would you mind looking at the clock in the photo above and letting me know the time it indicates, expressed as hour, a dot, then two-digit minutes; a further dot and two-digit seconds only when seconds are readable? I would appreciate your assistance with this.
1.57
